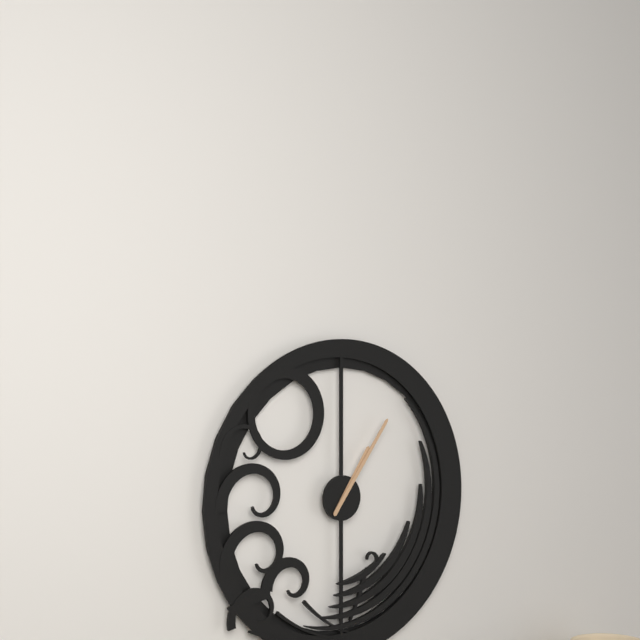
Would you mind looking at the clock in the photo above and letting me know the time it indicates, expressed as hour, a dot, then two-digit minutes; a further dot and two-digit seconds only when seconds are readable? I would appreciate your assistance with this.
1.06
